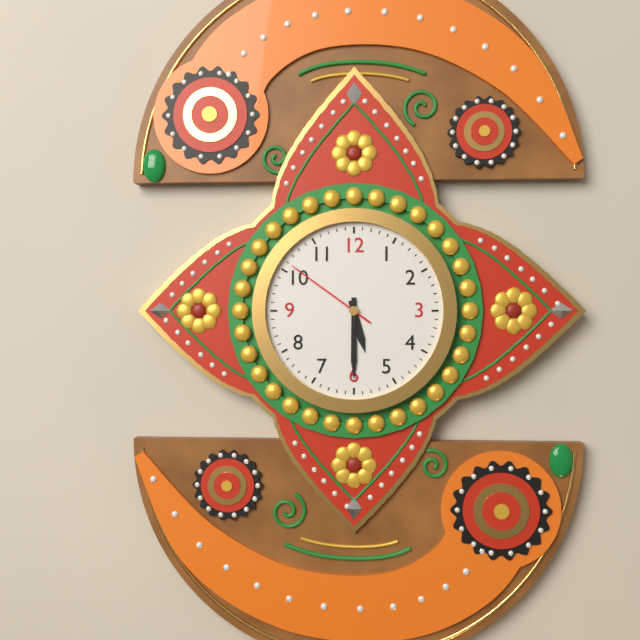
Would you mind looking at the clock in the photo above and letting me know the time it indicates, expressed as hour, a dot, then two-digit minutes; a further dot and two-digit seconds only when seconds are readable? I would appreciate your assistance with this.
5.30.51
